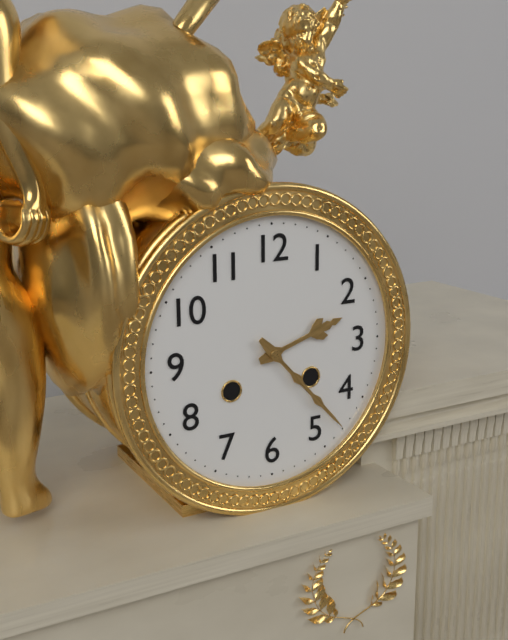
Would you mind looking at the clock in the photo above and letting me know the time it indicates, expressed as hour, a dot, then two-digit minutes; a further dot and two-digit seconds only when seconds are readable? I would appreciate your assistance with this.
2.23
